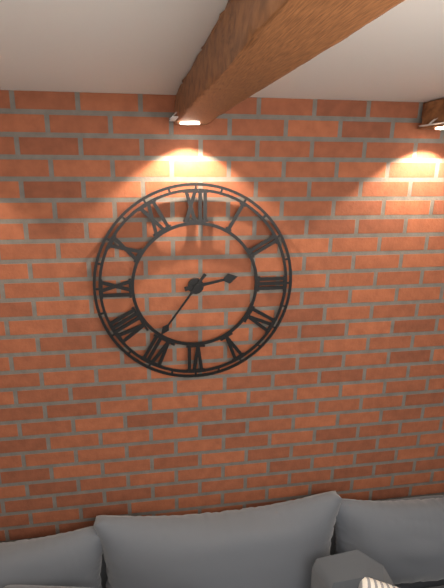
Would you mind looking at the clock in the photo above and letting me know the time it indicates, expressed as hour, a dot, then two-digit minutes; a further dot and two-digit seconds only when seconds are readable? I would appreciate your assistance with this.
2.36
